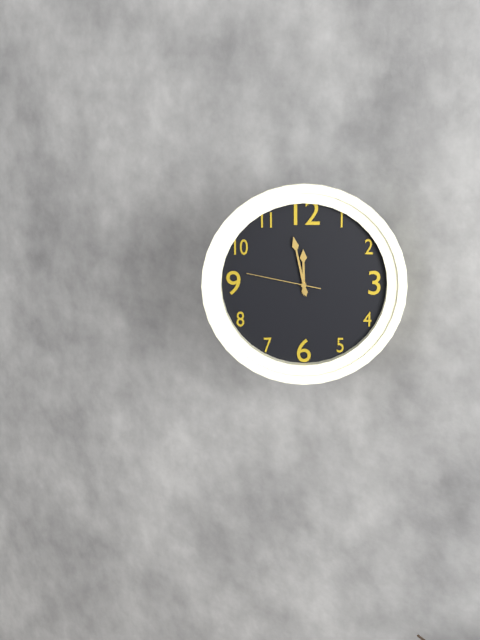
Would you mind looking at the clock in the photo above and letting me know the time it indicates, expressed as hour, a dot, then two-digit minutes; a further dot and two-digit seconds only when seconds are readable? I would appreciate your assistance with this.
11.58.47
